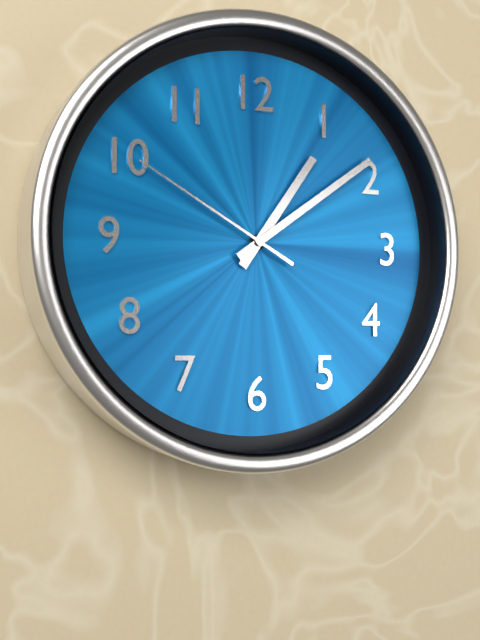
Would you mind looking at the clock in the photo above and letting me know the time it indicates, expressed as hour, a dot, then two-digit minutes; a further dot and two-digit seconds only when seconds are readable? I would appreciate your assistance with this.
1.09.50
